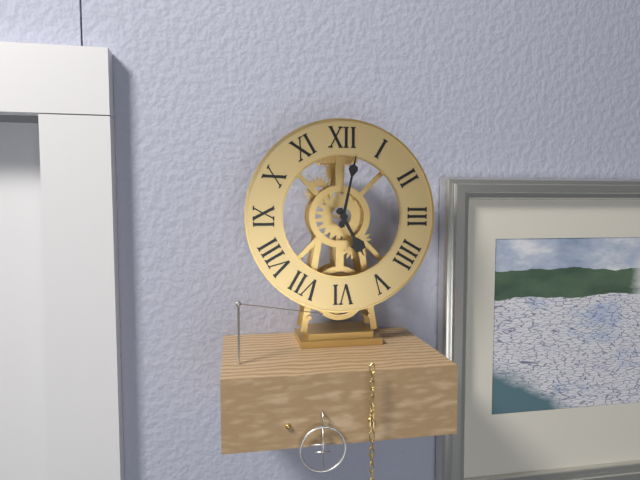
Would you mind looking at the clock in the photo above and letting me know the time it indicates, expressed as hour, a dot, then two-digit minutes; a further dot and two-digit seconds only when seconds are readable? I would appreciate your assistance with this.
5.02
